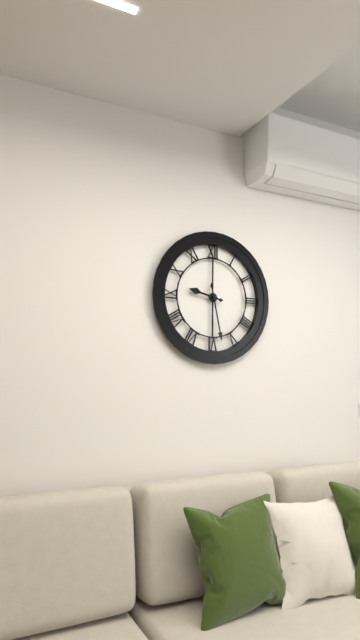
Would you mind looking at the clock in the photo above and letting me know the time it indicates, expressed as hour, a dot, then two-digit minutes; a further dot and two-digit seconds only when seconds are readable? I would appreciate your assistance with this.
9.28
